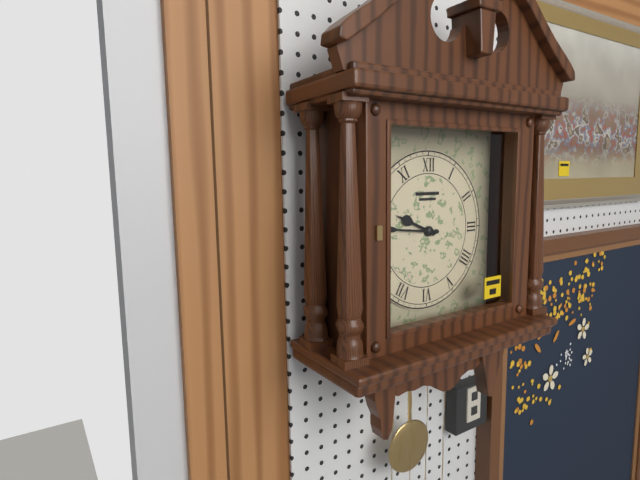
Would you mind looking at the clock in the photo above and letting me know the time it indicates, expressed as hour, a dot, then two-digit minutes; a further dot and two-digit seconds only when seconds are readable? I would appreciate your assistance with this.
9.46
